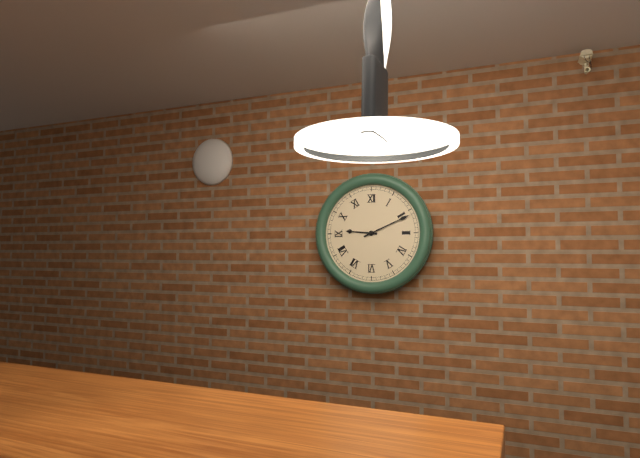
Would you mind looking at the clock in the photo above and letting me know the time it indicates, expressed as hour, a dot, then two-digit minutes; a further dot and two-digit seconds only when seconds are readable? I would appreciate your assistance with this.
9.11
